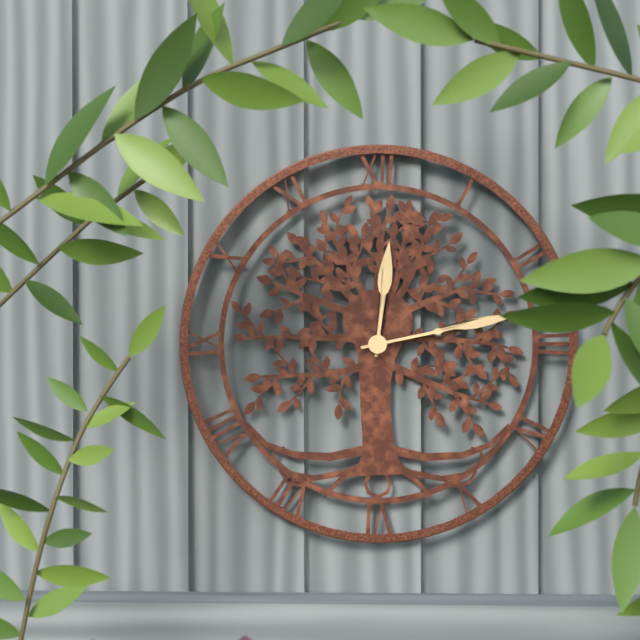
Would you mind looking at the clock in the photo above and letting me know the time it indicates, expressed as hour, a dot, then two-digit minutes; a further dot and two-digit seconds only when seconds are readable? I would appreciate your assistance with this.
12.13
